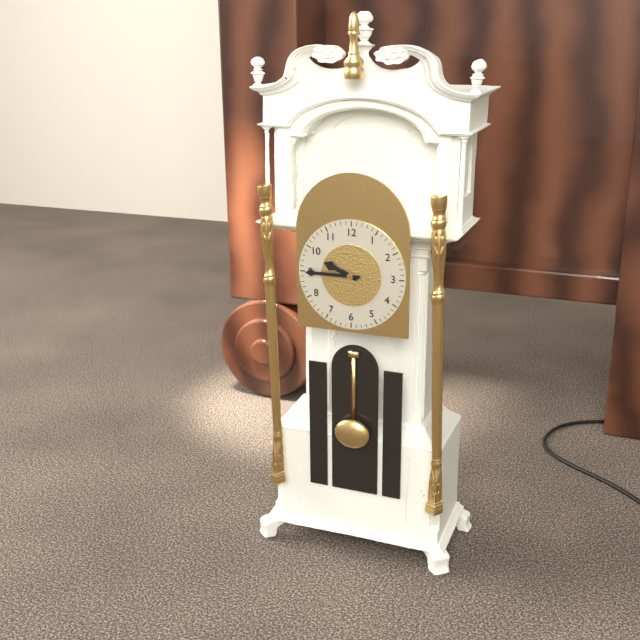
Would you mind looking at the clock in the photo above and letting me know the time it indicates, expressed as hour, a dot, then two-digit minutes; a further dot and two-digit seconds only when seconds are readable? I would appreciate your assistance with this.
9.45
